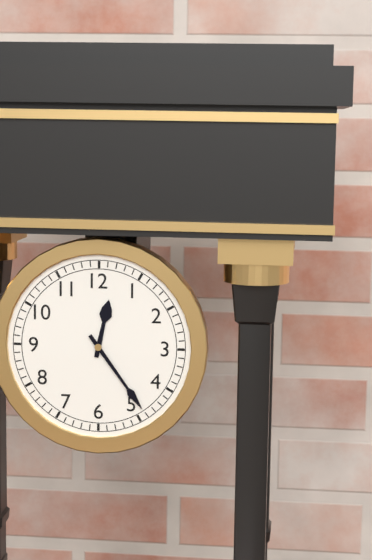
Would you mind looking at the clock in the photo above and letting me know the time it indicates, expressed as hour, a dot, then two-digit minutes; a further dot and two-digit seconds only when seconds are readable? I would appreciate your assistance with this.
12.24
